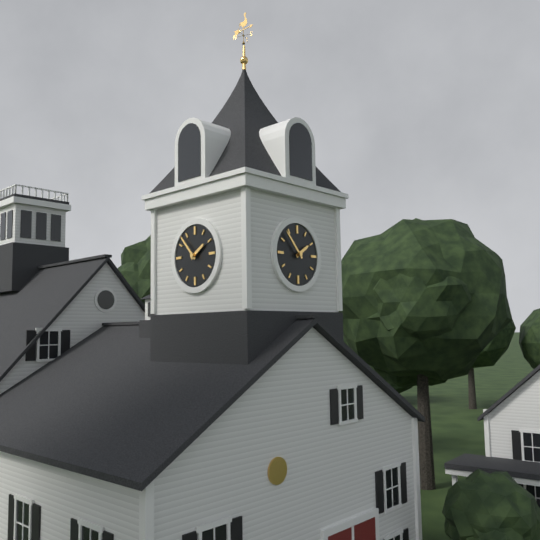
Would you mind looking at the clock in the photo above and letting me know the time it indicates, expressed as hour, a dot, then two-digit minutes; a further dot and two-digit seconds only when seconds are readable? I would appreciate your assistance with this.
1.53
